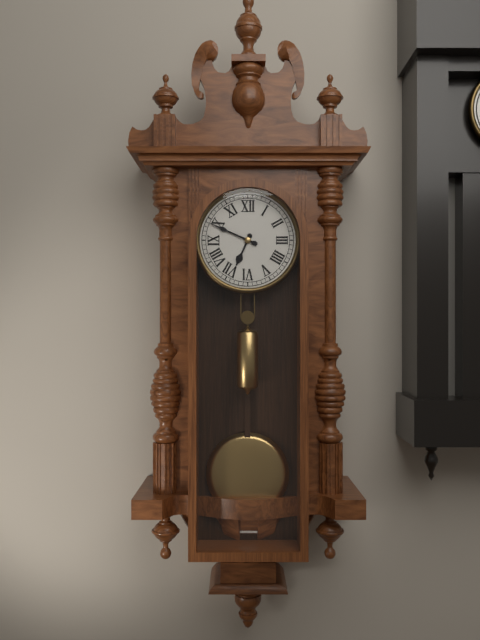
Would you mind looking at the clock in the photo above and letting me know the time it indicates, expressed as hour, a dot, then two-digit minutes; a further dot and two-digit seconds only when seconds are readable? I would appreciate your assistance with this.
6.49
